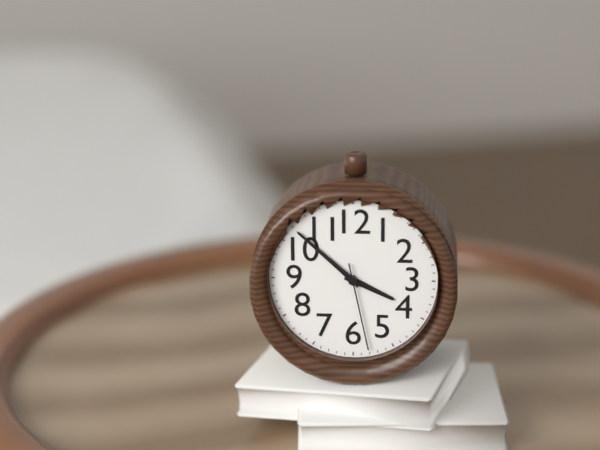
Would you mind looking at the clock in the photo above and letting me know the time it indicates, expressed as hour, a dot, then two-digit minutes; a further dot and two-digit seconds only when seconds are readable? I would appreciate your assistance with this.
3.52.28
